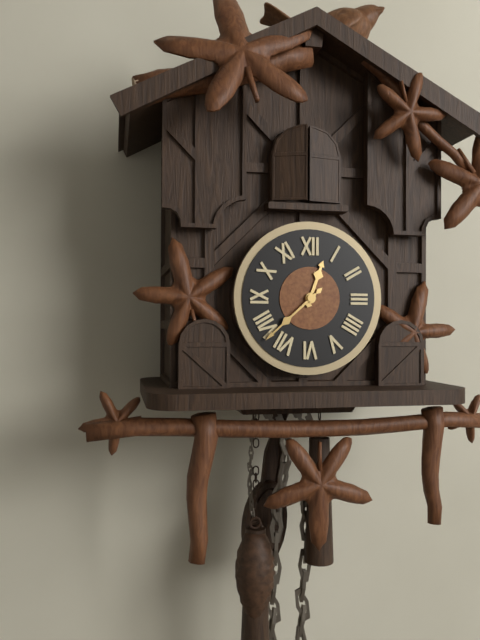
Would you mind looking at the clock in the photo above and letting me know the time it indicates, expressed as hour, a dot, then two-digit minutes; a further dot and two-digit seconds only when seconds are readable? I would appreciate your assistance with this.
12.38
